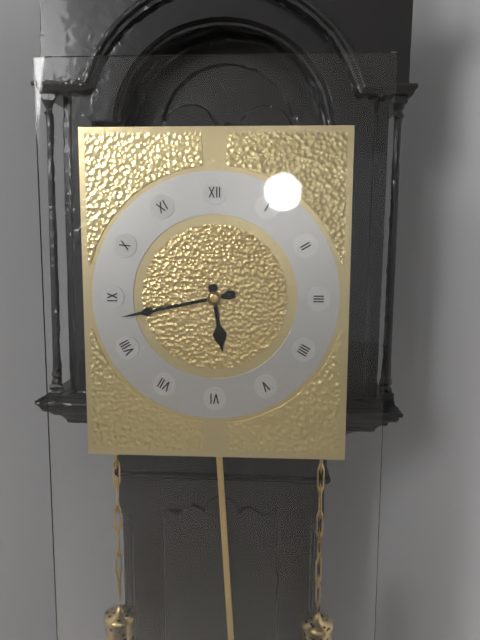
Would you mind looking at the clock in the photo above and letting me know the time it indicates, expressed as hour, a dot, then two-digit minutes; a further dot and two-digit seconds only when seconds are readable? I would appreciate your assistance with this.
5.43
